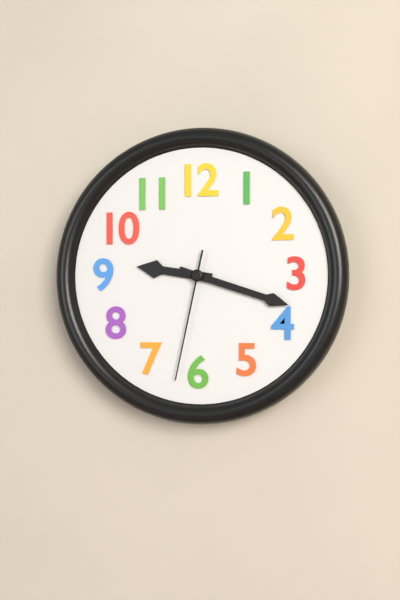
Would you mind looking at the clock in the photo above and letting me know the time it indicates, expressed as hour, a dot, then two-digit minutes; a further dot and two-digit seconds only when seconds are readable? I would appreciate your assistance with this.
9.18.32
